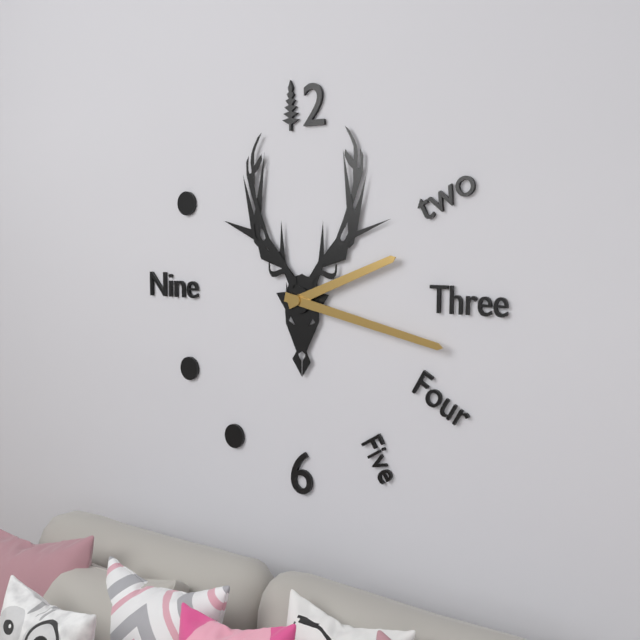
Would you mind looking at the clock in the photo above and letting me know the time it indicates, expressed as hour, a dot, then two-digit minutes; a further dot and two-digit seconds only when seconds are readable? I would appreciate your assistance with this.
2.17
